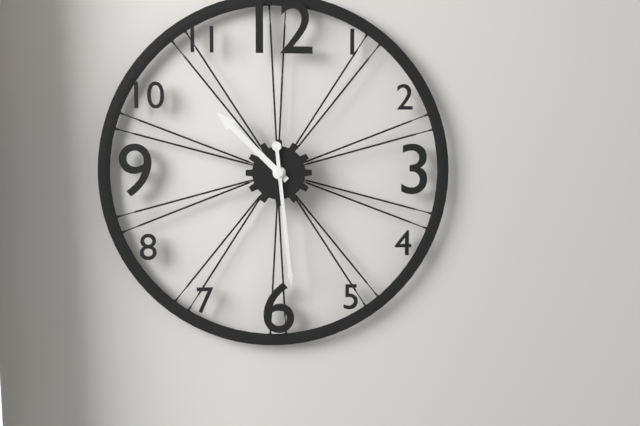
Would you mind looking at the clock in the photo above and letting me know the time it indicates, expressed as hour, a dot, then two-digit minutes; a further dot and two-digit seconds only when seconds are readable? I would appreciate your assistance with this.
10.29
